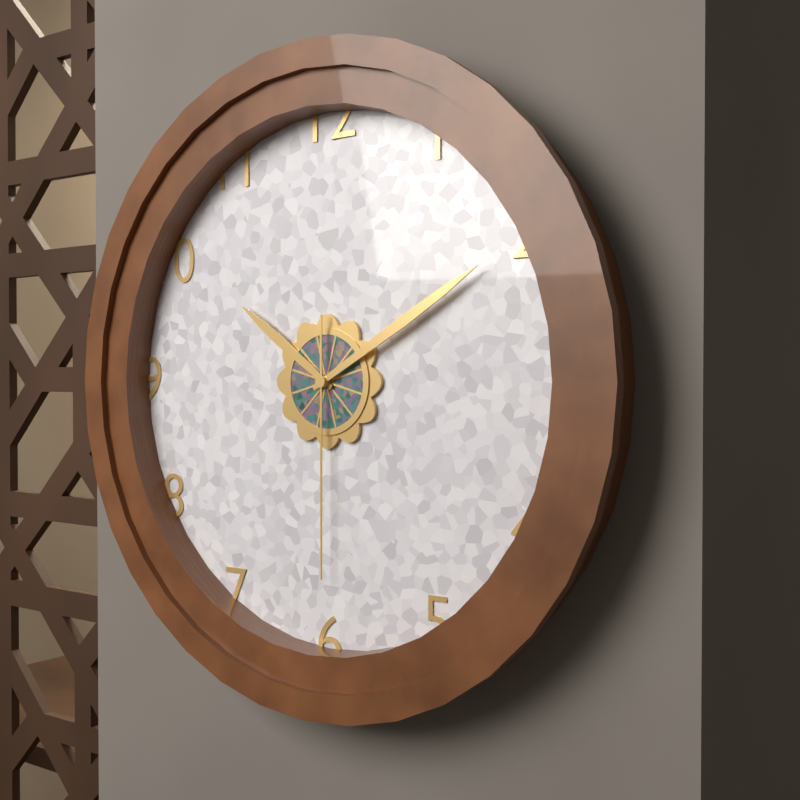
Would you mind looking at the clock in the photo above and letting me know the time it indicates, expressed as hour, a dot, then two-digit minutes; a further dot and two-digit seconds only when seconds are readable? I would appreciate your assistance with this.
10.10.30
